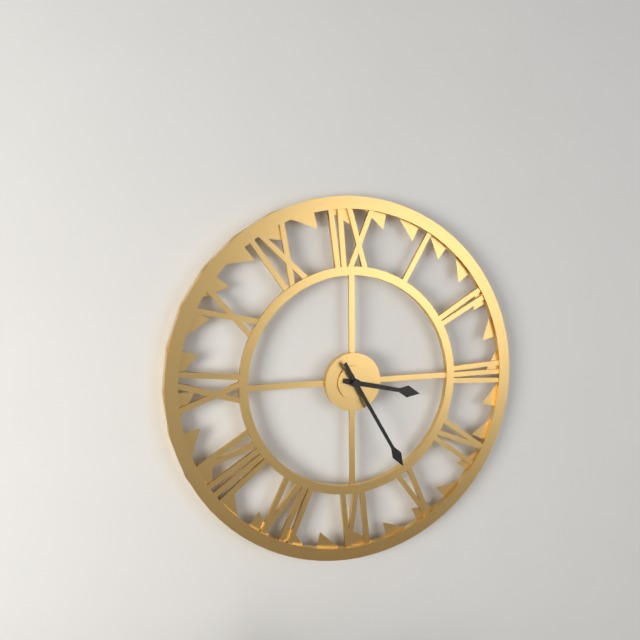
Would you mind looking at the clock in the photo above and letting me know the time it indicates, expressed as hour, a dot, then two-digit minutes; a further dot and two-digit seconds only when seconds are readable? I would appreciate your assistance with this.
3.25
